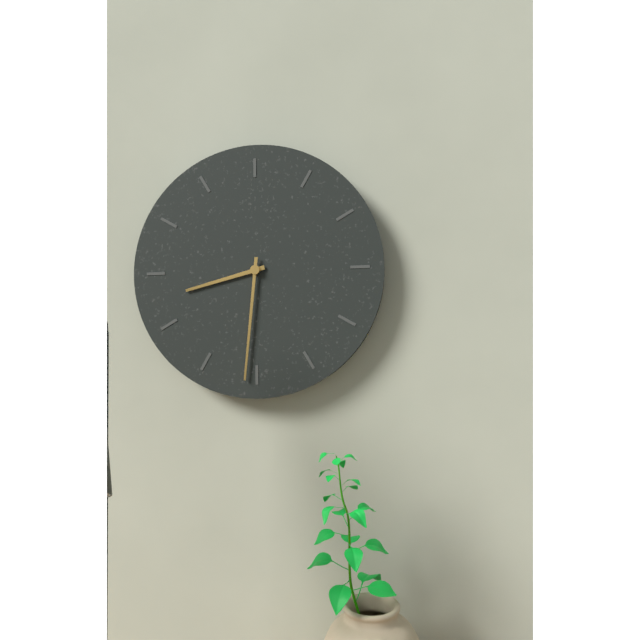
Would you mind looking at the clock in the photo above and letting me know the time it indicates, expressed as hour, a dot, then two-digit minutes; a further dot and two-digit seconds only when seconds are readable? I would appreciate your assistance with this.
8.31
